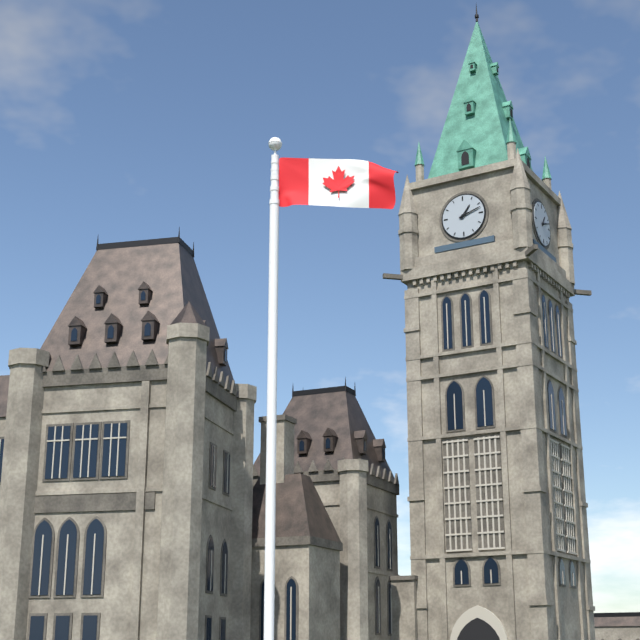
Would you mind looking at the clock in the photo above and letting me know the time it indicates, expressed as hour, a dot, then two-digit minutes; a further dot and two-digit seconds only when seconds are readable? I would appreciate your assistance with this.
1.12
